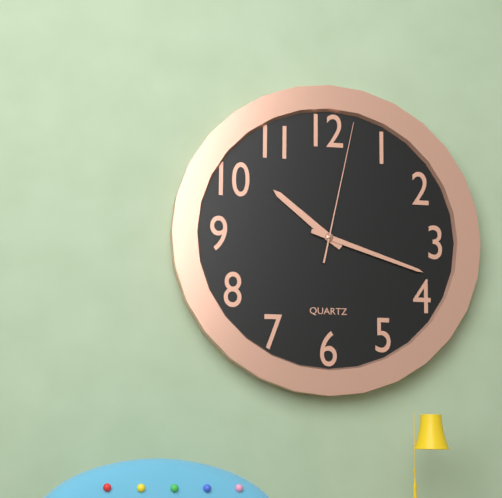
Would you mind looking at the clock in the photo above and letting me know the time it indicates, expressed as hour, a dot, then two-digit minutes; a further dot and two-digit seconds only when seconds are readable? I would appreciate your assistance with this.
10.18.02
